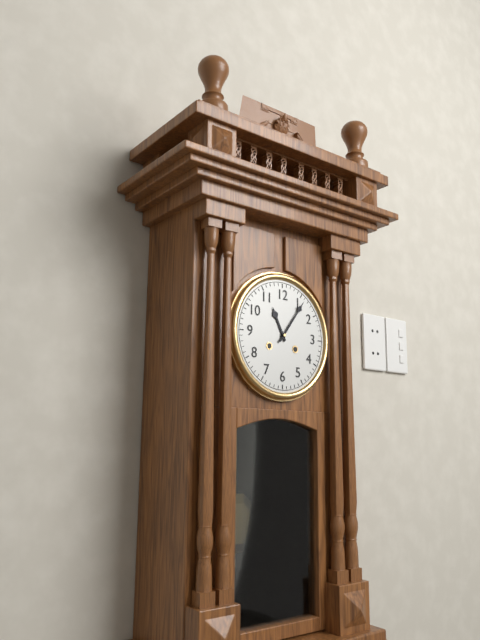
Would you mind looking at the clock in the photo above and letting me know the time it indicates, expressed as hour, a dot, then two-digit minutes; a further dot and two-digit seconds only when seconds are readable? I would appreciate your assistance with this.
11.06
